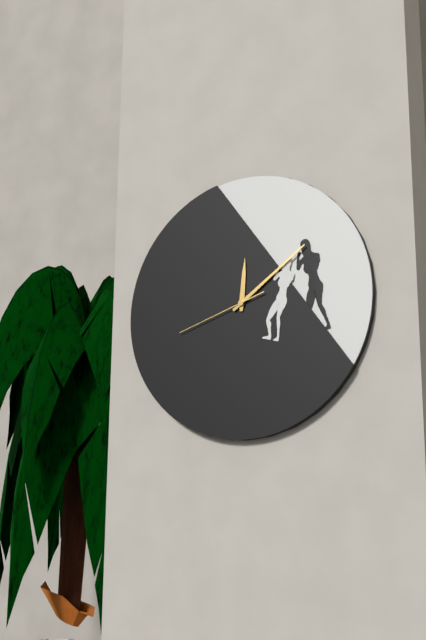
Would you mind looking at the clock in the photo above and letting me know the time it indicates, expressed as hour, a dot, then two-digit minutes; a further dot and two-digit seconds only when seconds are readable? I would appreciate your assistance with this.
12.09.42
